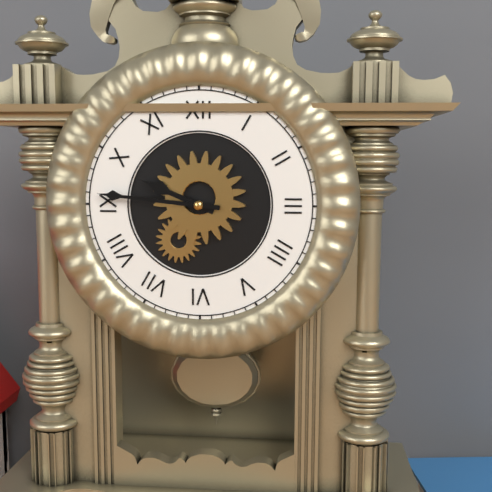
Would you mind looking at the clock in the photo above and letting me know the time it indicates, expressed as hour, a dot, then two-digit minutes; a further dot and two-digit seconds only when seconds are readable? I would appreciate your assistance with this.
9.46
